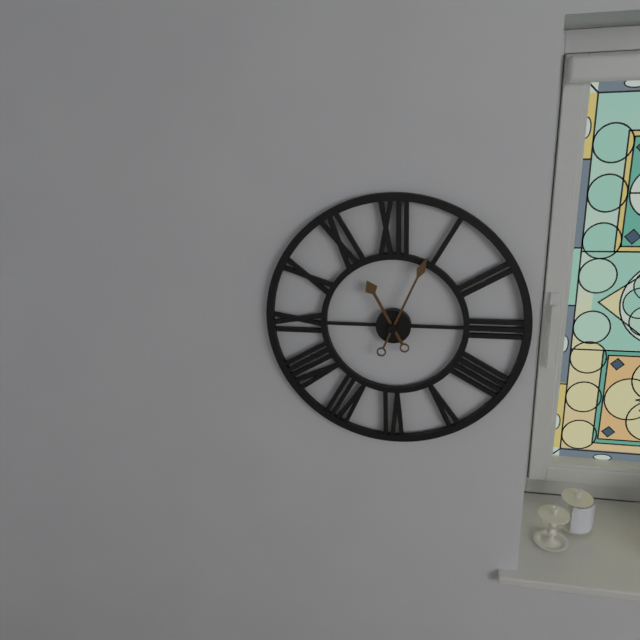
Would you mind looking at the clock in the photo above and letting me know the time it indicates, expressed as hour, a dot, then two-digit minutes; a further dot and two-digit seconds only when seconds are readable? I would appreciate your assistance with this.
11.04
